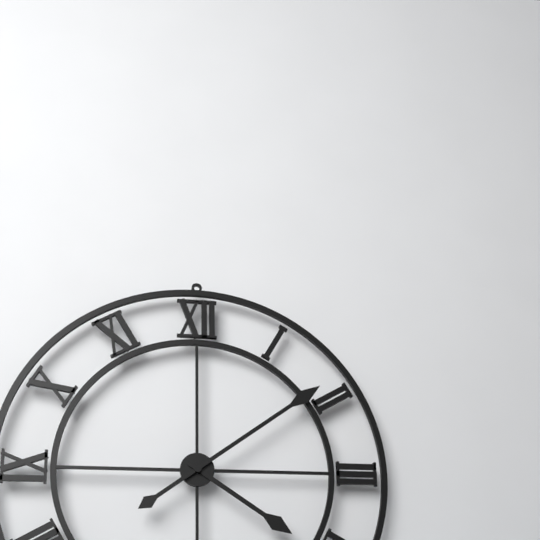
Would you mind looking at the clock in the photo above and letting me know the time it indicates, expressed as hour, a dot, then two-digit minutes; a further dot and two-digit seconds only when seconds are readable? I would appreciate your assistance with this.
4.09
